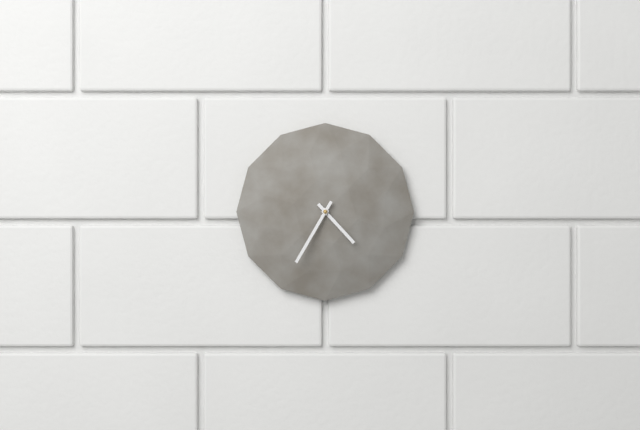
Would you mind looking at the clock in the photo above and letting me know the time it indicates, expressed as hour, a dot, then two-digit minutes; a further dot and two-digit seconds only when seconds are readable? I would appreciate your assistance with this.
4.35
